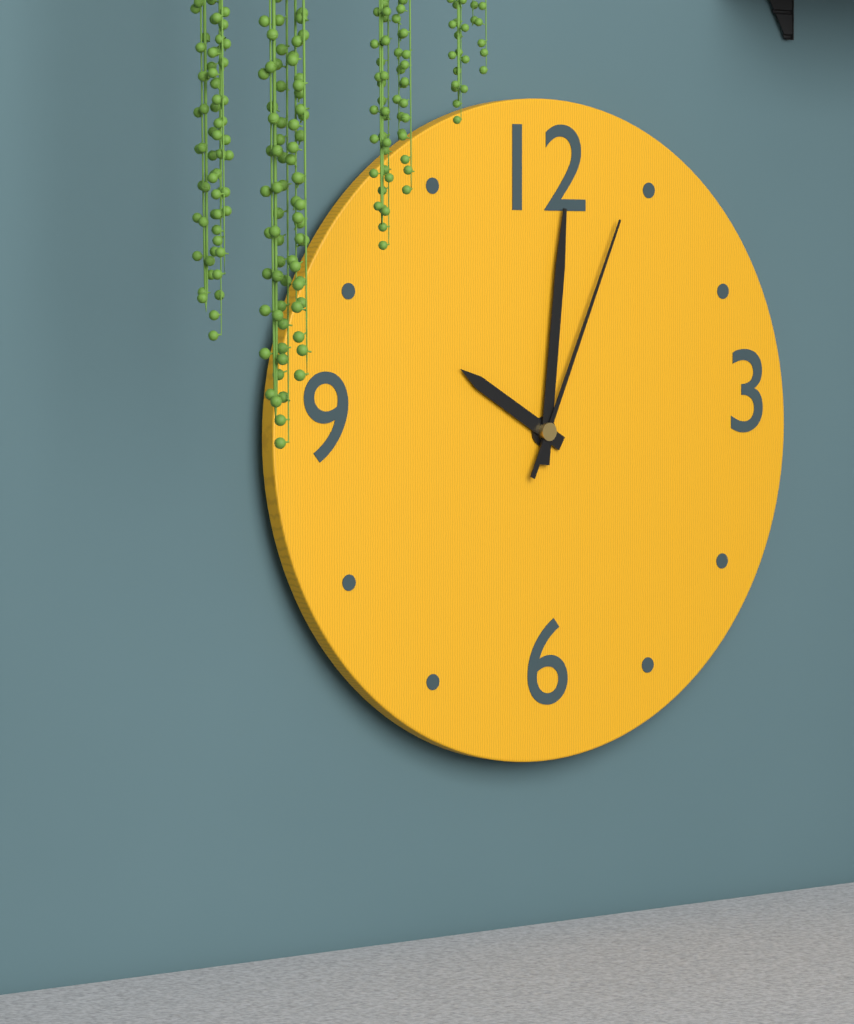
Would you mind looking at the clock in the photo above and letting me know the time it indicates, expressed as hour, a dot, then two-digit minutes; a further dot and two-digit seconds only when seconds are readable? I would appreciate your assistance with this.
10.01.04
